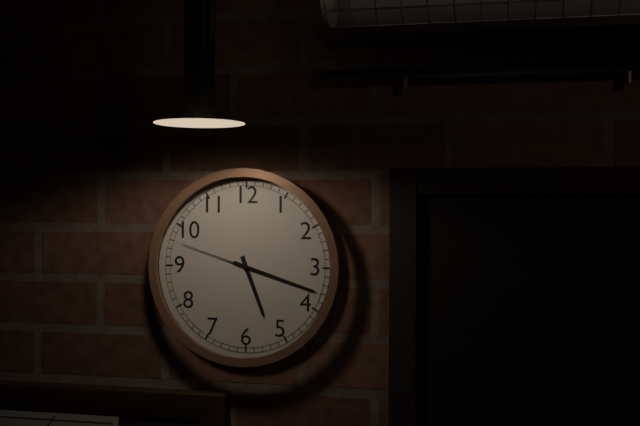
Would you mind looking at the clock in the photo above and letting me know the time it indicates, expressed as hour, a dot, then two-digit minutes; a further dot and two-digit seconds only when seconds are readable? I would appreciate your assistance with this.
5.18.48
